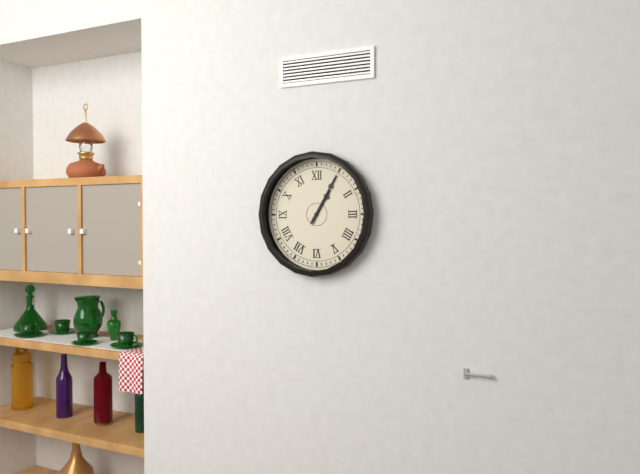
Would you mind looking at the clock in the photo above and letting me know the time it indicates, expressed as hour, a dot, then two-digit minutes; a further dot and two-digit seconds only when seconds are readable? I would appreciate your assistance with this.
1.05
